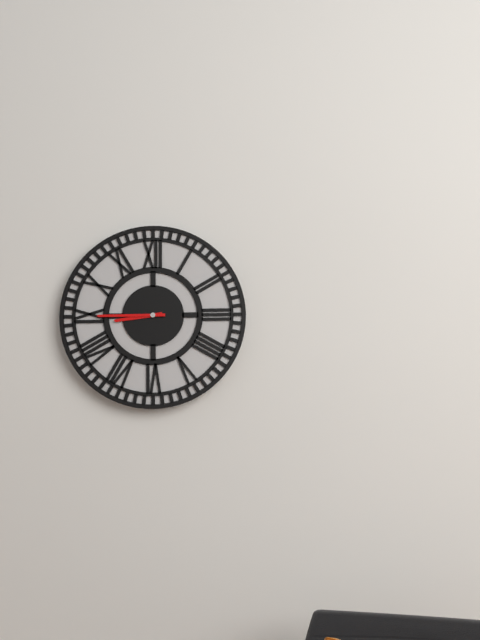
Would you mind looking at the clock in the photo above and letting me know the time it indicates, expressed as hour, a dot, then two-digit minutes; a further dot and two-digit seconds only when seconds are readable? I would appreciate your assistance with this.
8.45
